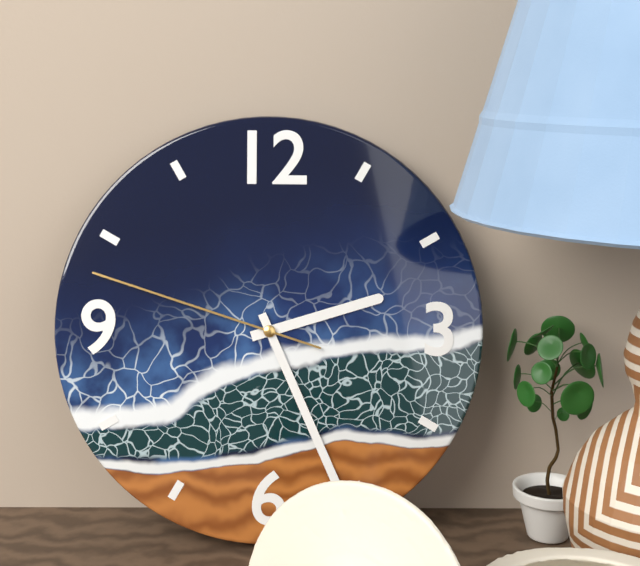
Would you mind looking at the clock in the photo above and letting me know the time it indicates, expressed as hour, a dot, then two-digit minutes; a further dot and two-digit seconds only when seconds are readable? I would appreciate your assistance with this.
2.26.48
